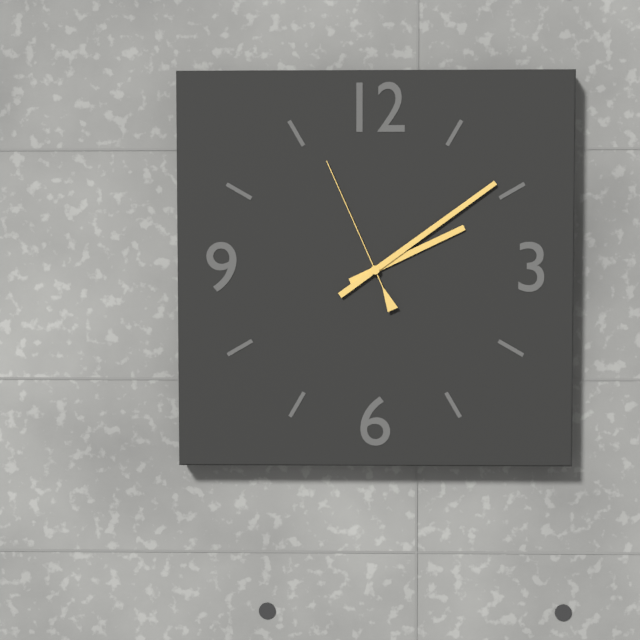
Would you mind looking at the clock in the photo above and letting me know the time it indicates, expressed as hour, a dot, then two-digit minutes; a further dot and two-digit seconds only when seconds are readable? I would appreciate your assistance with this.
2.09.56
